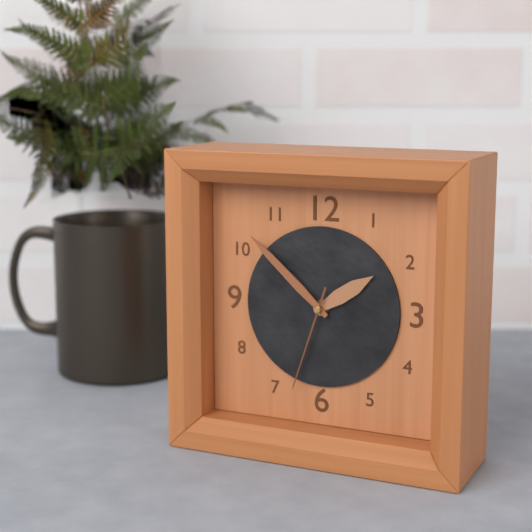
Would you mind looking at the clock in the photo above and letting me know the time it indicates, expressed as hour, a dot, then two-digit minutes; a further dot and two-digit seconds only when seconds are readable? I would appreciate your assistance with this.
1.52.33
